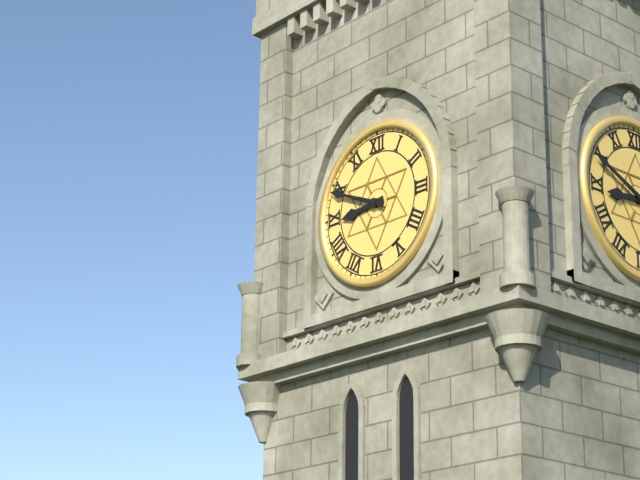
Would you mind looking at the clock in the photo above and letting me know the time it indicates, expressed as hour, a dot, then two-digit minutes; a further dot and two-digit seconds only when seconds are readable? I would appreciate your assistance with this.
8.49
